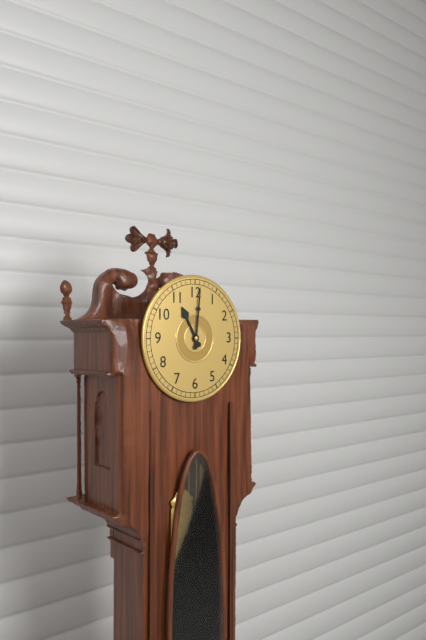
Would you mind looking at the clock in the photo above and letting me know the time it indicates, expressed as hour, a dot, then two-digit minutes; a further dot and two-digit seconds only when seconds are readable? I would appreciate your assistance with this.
11.01
